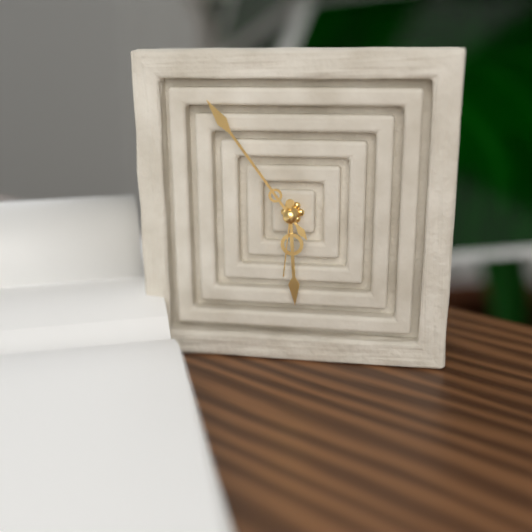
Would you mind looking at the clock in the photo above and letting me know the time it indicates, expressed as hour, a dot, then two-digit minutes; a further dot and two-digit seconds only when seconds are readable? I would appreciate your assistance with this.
5.54.31
